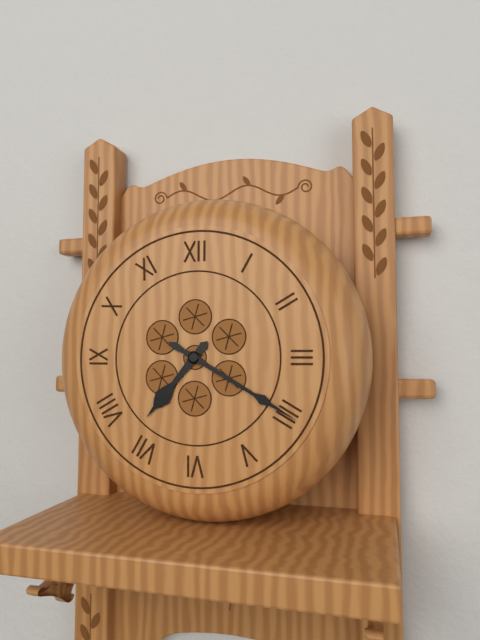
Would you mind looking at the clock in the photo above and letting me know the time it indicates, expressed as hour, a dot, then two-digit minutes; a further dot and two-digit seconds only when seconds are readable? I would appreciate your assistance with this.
7.20
